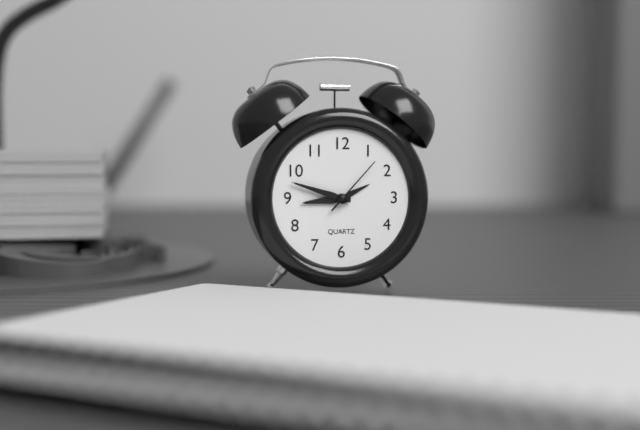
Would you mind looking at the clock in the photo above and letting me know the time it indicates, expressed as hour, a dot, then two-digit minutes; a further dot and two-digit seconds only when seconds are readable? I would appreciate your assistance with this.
8.48.07
